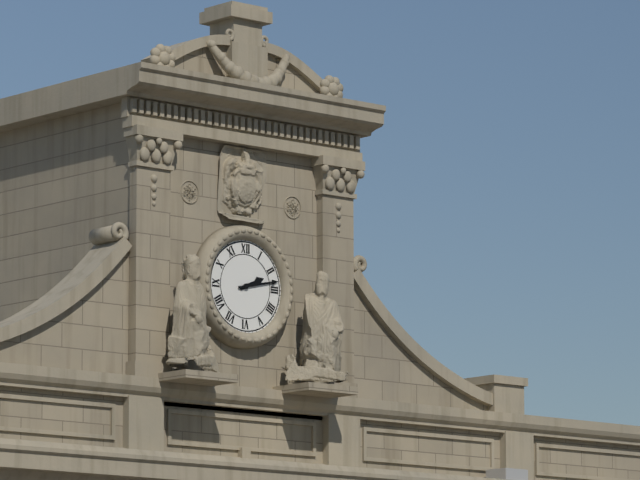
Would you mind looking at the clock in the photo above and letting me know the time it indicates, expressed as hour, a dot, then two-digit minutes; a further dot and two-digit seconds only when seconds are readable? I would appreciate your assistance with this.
2.13
